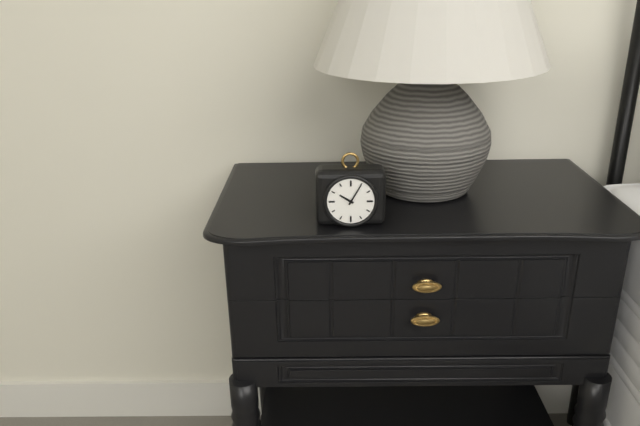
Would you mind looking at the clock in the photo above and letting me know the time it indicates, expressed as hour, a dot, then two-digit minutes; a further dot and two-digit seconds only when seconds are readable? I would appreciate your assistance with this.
10.05
